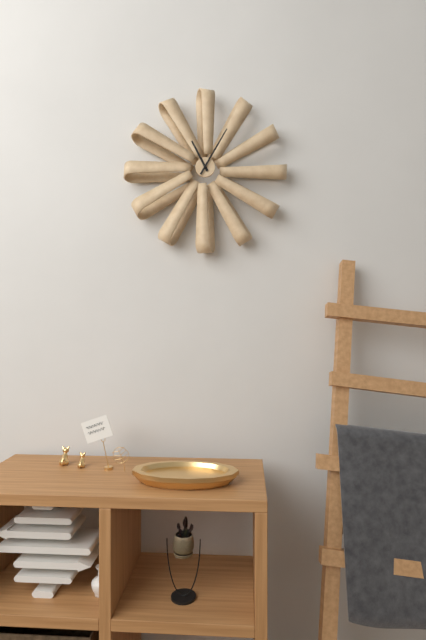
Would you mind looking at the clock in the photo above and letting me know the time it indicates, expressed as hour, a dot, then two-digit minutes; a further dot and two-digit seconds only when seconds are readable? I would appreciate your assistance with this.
11.05
